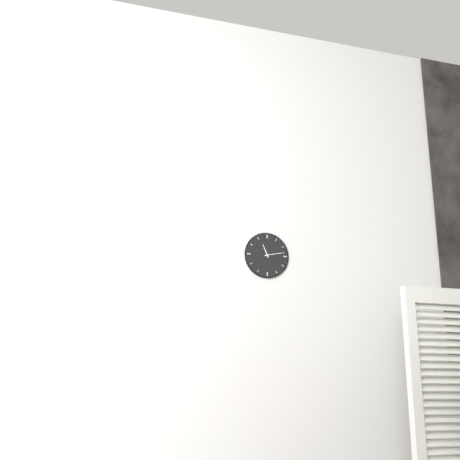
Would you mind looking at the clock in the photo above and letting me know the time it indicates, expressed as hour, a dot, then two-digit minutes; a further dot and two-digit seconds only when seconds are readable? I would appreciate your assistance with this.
11.13
